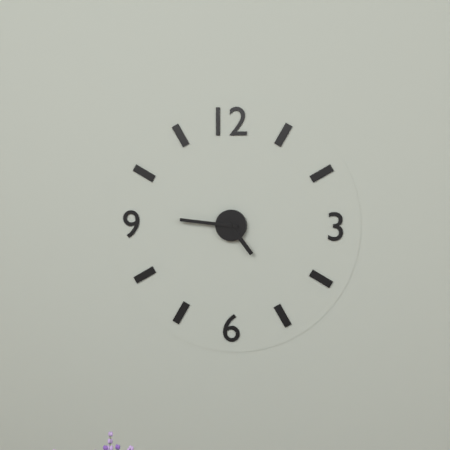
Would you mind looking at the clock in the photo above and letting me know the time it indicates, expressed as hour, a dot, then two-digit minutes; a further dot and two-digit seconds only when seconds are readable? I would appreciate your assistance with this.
4.46
